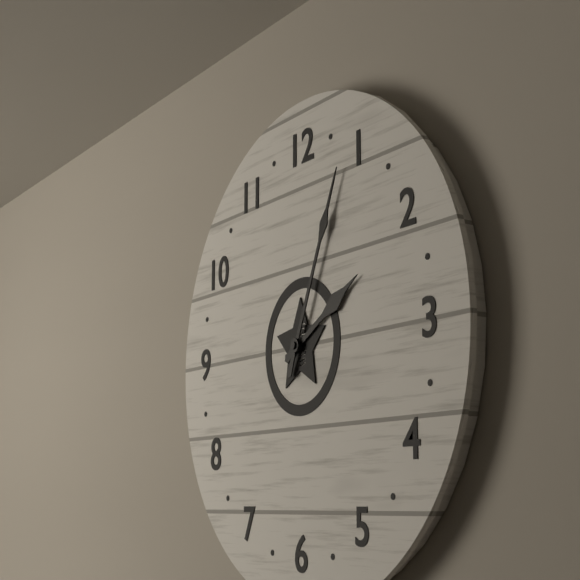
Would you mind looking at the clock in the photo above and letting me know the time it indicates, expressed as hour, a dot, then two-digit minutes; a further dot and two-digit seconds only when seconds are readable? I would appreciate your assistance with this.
2.04
